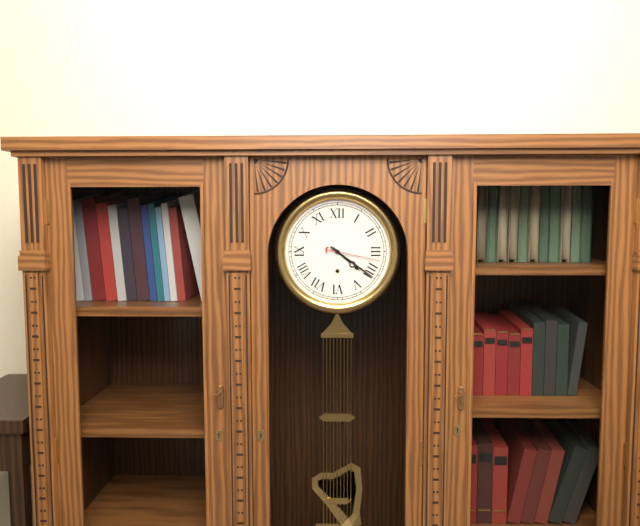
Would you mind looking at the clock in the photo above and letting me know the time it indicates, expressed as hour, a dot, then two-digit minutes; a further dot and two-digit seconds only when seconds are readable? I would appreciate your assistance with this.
4.21.17
